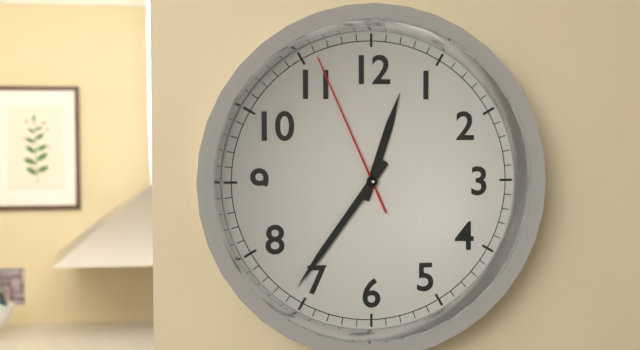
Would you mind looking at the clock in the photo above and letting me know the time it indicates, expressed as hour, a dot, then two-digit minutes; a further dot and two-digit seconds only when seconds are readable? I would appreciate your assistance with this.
12.36.56
